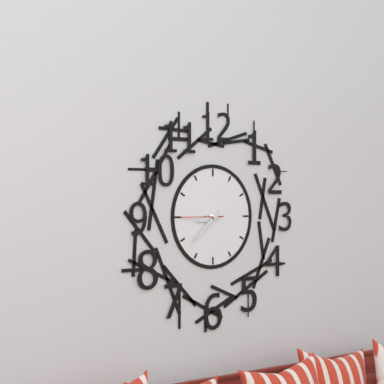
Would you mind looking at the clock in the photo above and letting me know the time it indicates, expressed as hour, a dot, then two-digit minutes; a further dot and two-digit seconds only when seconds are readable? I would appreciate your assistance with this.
8.38
